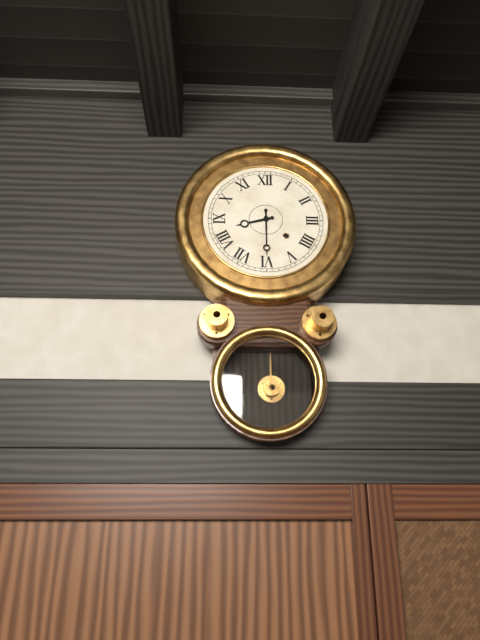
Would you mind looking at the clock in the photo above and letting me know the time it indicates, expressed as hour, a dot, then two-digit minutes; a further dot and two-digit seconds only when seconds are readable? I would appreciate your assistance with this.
8.30
